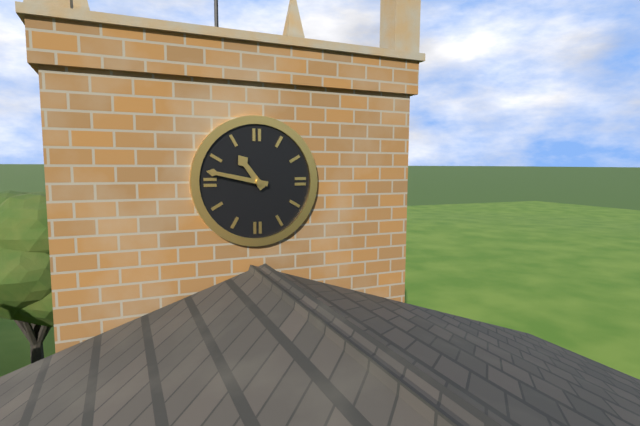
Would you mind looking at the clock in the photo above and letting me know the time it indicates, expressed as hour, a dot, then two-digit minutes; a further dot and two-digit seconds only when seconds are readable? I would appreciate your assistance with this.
10.47
